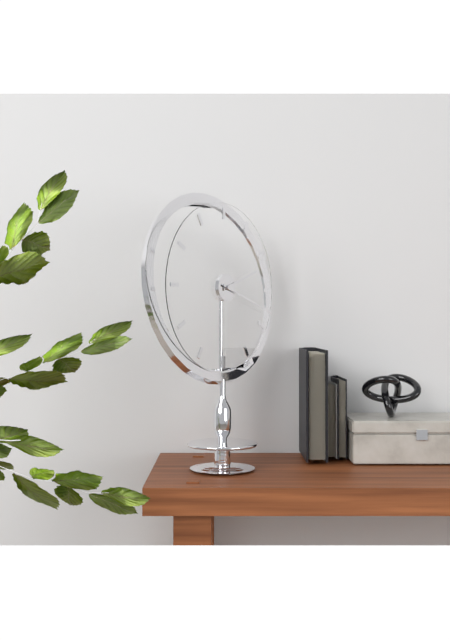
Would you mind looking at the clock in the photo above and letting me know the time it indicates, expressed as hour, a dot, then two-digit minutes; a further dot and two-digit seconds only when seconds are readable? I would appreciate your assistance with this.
2.18
